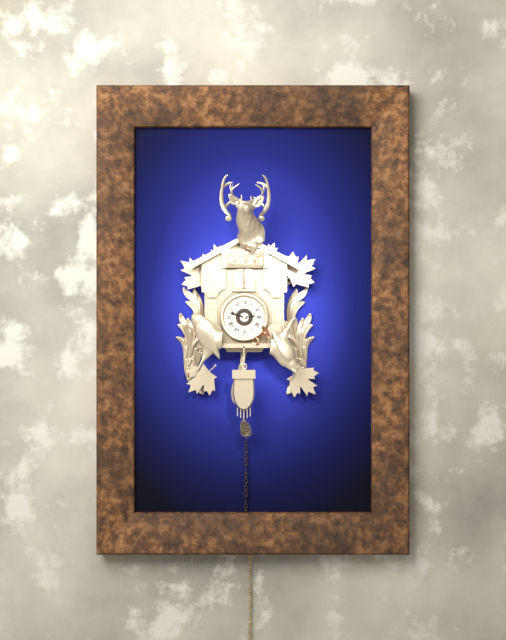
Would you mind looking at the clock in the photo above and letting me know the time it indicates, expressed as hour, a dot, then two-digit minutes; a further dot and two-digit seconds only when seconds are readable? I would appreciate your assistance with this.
2.48
